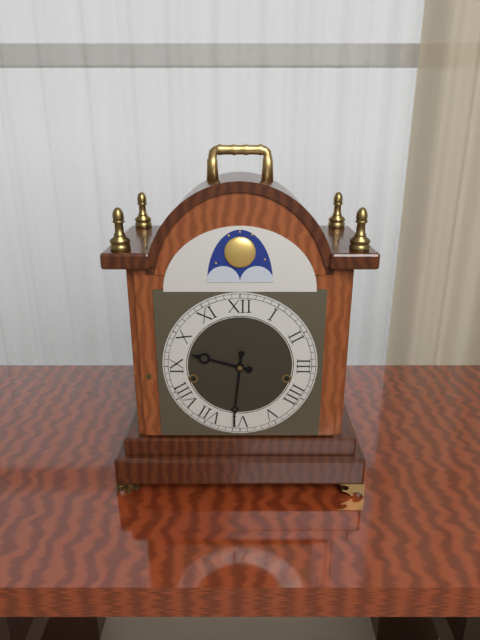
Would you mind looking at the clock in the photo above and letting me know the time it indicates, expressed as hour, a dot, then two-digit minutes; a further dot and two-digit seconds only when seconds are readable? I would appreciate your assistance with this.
9.31
